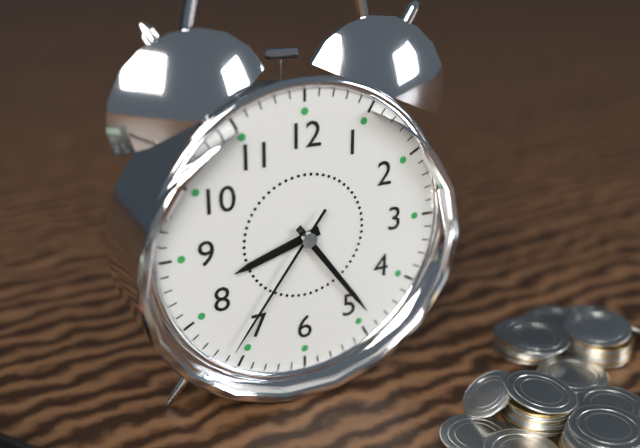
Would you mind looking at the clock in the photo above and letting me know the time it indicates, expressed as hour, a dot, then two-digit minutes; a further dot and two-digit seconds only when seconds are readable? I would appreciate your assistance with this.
8.24.36
